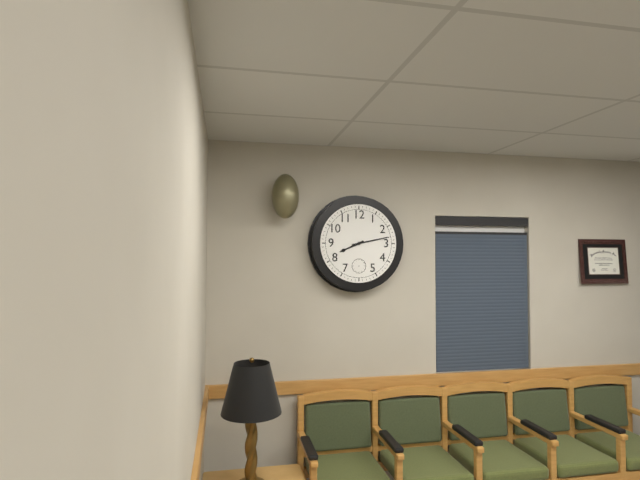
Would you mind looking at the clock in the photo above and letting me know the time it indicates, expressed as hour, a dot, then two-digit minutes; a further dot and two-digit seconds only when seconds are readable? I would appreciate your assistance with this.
8.13
